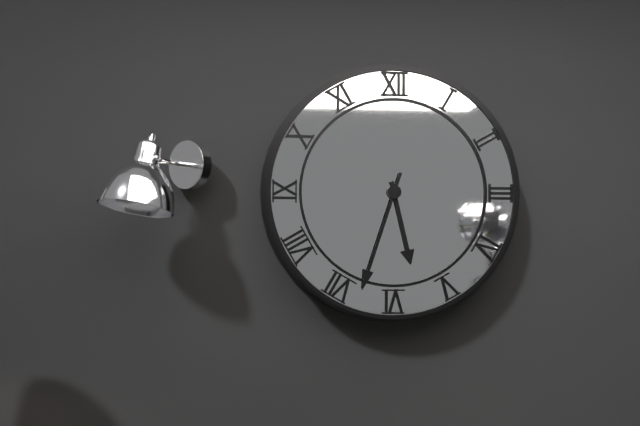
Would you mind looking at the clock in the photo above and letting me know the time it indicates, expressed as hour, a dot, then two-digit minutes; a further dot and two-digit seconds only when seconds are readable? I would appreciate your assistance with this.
5.33
